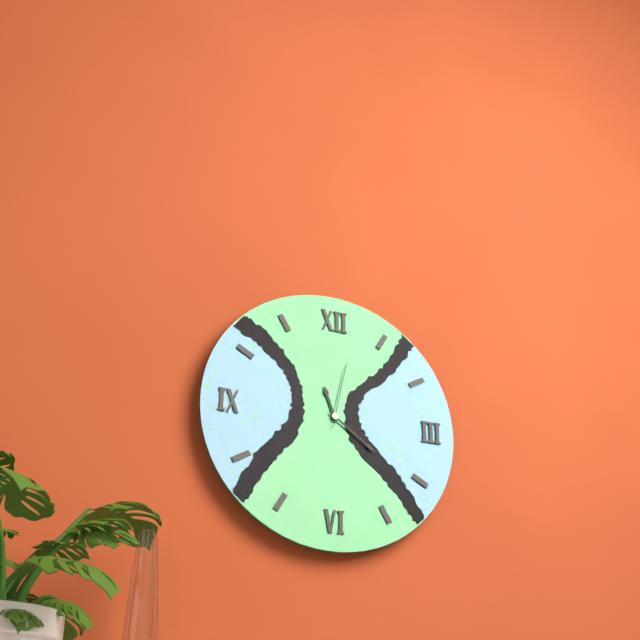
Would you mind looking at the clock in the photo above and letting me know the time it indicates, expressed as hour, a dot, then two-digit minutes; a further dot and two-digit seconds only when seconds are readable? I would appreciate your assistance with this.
11.21.02
